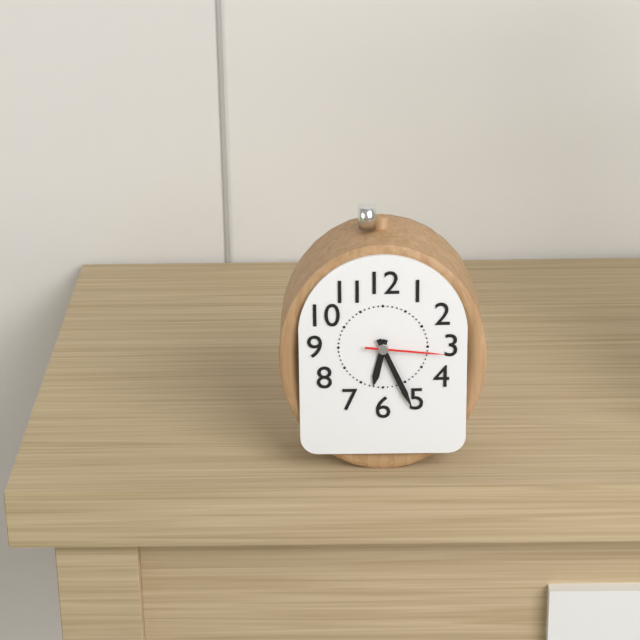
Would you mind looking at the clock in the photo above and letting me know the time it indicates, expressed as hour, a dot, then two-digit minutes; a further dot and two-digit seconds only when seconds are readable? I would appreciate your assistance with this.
6.26.16
